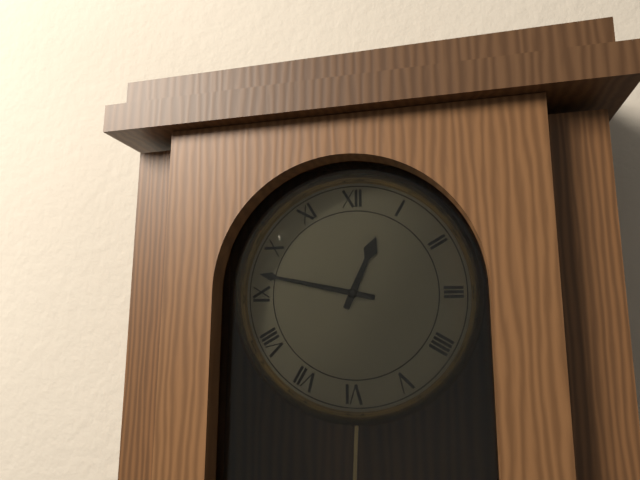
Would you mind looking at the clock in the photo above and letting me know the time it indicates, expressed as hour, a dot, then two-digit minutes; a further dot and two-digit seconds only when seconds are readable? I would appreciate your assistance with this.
12.47
